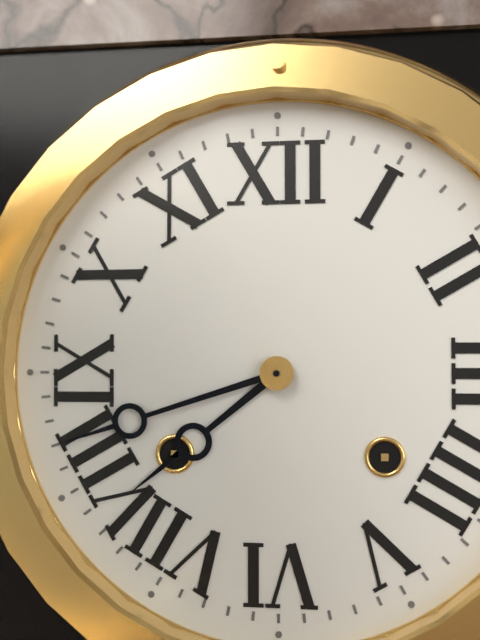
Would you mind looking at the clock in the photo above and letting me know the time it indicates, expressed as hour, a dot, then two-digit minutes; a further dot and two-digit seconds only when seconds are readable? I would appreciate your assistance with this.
7.42
